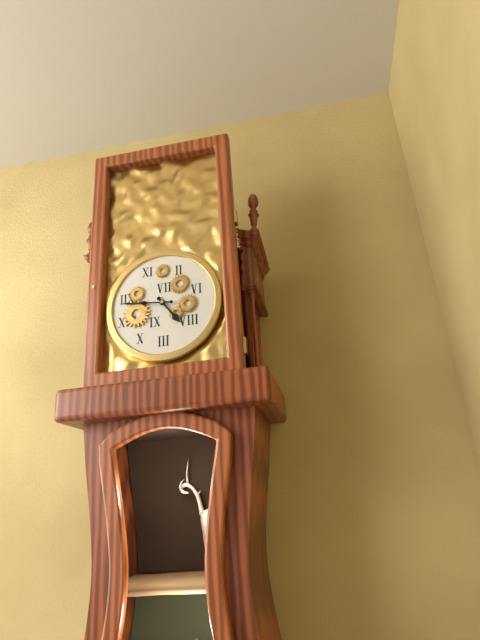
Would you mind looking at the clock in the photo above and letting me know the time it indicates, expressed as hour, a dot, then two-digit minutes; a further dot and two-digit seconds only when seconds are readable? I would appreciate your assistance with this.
4.46
